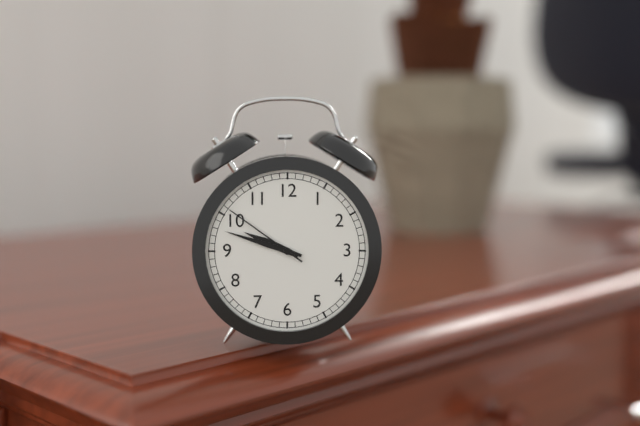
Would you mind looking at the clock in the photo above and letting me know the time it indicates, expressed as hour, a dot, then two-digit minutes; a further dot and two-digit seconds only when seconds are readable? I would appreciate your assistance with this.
9.48.51
